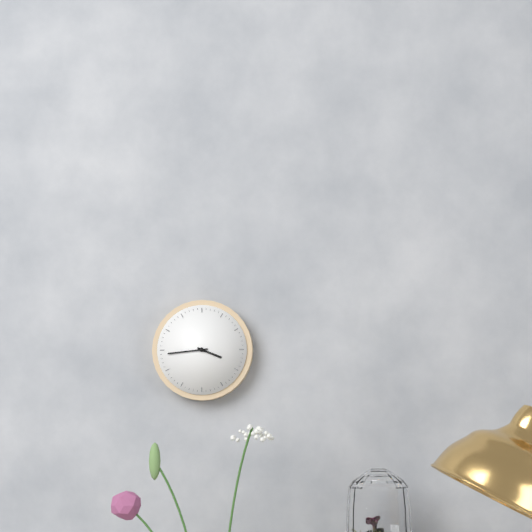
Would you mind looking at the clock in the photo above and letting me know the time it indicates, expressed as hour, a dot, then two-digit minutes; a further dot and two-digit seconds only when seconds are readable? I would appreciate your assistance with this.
3.44
